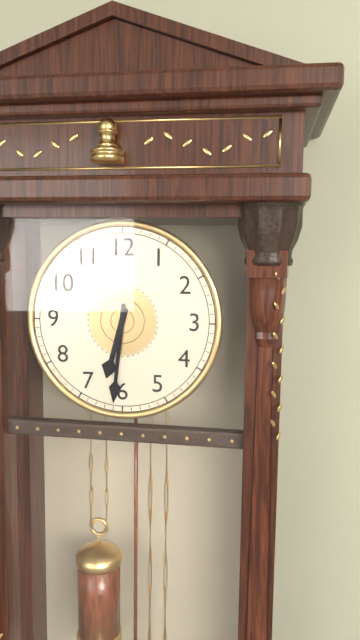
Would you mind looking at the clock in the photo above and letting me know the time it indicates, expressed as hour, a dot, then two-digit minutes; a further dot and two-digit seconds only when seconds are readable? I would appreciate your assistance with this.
6.31
